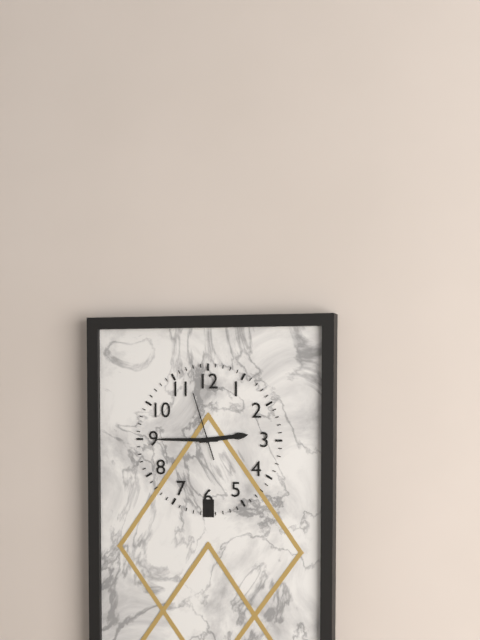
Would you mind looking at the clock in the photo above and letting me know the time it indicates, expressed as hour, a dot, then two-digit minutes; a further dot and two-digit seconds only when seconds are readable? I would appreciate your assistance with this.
2.45.57
